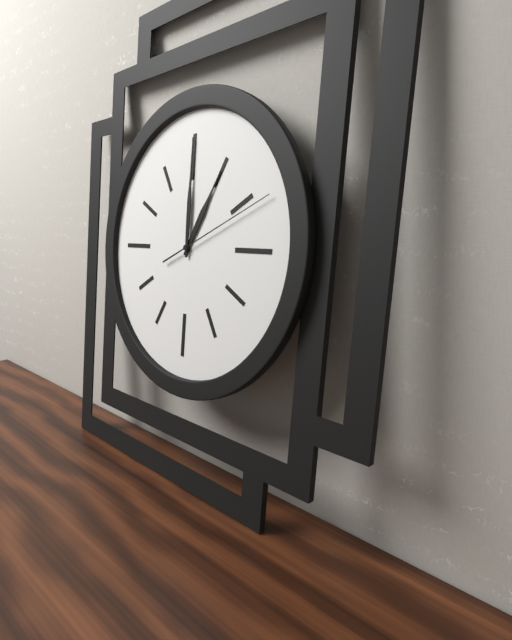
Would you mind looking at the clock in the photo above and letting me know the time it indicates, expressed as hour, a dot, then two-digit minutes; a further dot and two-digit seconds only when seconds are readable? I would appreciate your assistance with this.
1.00.11
